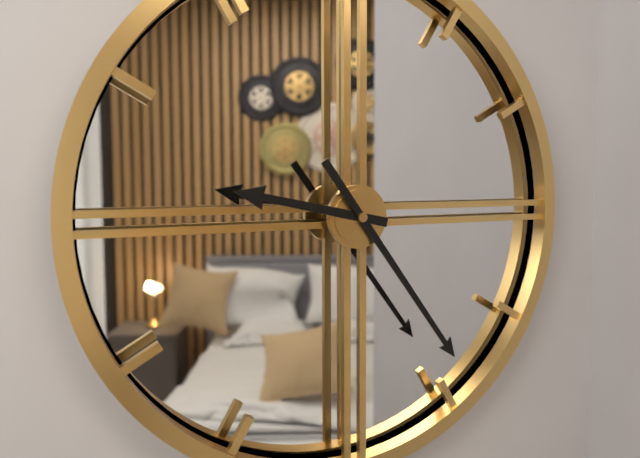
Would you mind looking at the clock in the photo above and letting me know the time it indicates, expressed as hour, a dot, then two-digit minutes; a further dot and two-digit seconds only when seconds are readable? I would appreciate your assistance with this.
9.24
